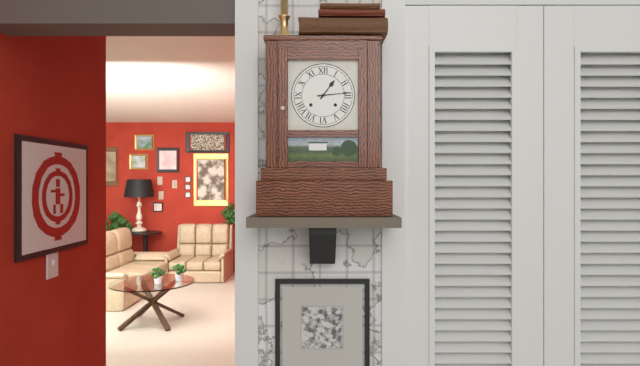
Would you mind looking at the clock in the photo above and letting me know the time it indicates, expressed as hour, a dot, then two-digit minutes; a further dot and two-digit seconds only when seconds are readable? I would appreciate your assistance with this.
1.14
